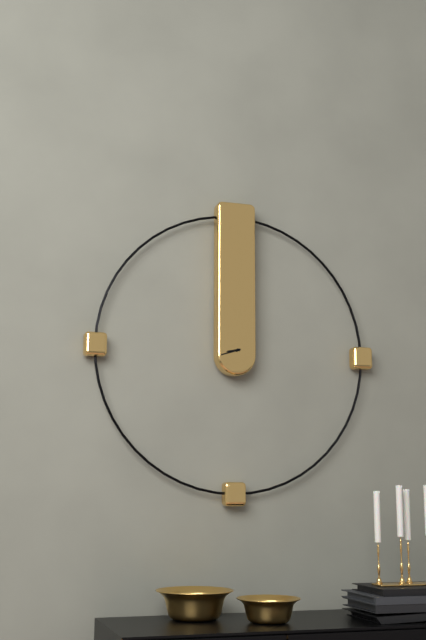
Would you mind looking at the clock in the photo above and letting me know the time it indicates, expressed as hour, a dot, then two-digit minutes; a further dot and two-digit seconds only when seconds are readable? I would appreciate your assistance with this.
8.42
